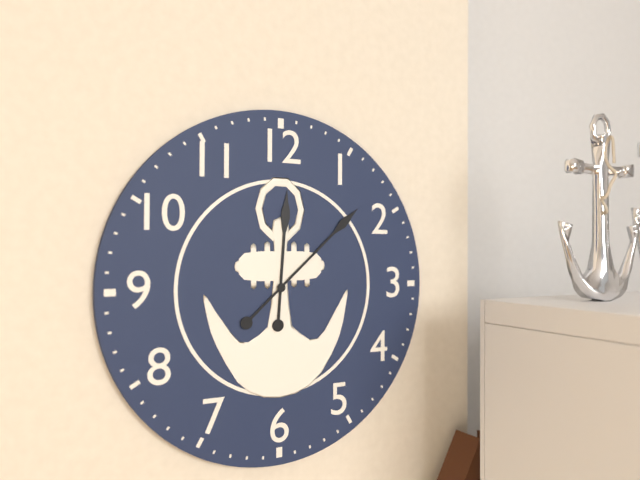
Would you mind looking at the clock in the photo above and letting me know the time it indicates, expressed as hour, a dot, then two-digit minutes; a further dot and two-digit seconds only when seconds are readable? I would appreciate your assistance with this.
12.08
